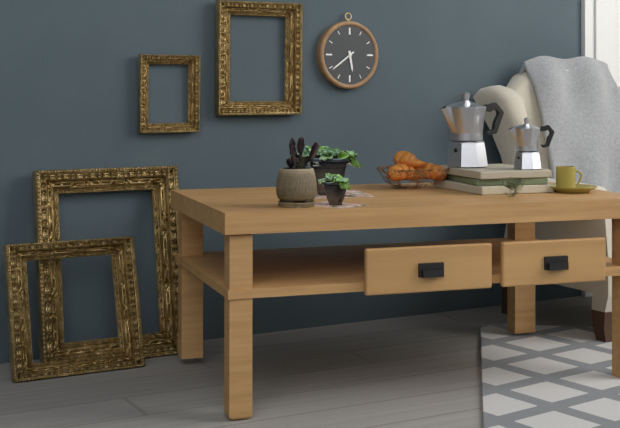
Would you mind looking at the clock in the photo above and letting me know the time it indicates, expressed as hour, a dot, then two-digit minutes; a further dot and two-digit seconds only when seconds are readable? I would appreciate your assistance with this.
5.39
